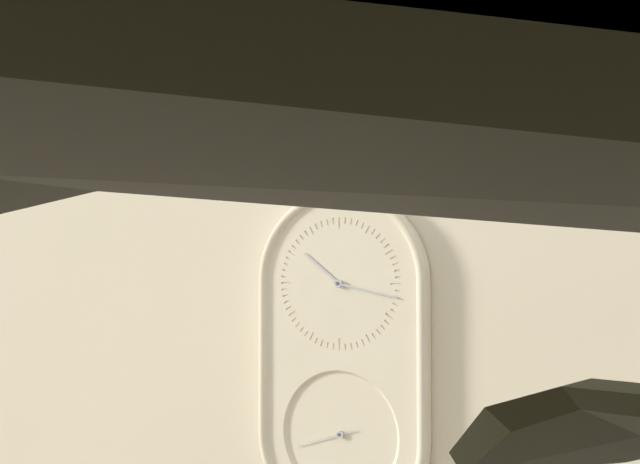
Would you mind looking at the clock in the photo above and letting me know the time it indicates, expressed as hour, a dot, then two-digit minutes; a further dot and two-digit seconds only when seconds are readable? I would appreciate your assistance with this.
10.17.42
